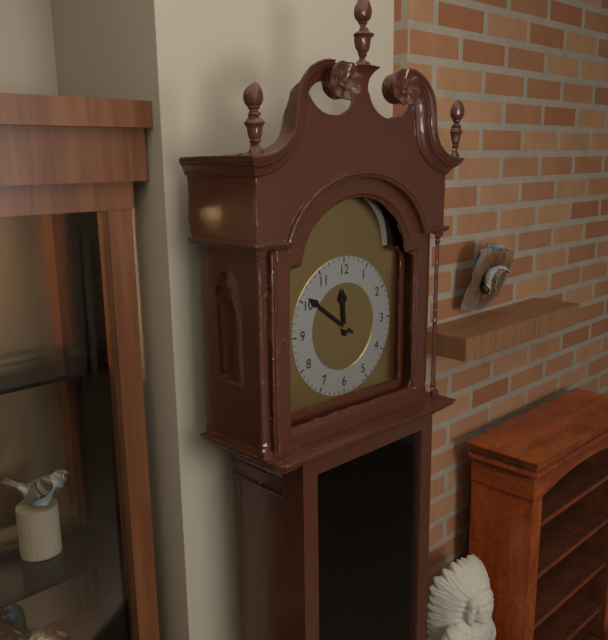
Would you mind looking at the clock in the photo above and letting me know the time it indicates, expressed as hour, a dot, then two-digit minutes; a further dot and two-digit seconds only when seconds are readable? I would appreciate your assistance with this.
11.51
